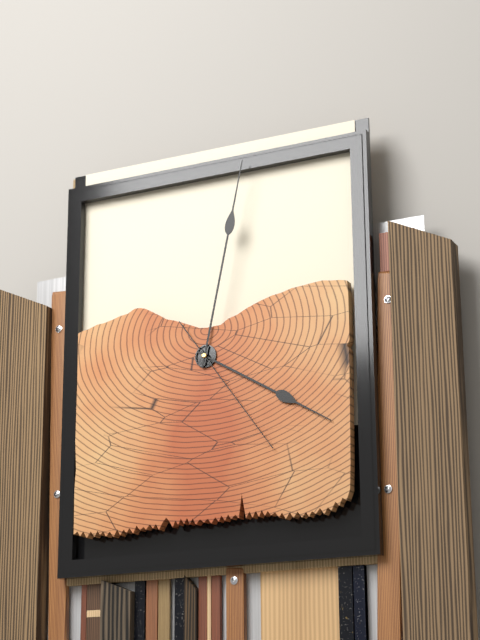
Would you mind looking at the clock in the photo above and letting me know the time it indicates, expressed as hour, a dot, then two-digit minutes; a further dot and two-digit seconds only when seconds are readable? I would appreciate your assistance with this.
4.02.24
